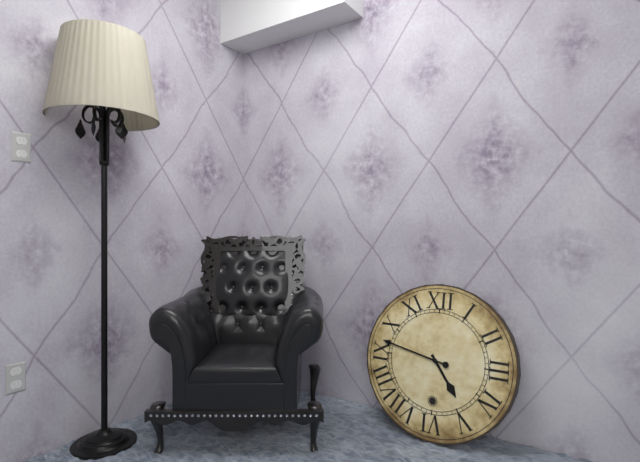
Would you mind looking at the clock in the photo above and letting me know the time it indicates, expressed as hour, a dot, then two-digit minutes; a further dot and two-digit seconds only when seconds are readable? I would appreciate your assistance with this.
4.47
